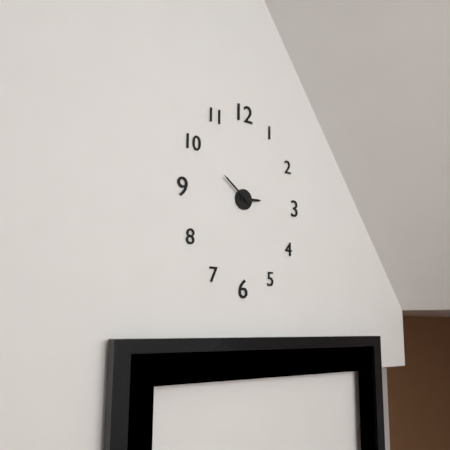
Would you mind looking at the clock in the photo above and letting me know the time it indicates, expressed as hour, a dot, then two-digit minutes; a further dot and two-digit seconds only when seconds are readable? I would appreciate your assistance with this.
2.51
